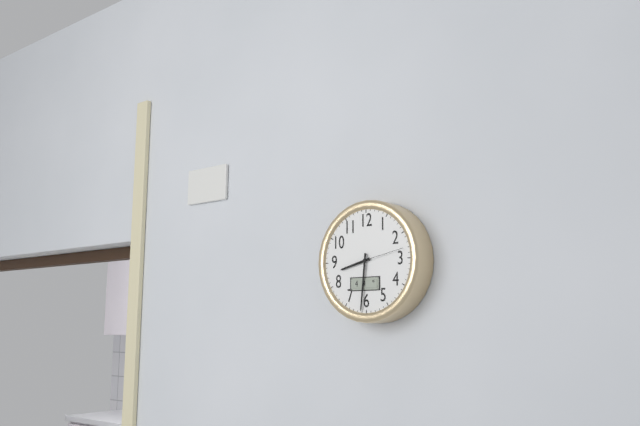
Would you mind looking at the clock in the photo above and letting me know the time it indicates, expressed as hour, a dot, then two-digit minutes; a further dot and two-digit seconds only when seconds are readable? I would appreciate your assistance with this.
8.31.13
